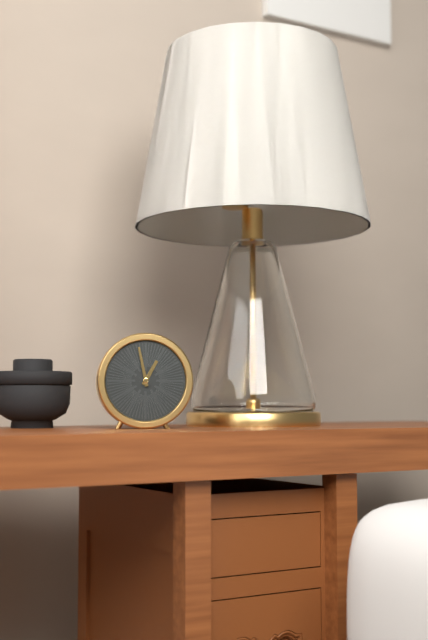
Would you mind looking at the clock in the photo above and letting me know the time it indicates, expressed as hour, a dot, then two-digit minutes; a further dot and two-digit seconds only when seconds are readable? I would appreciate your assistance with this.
12.58
